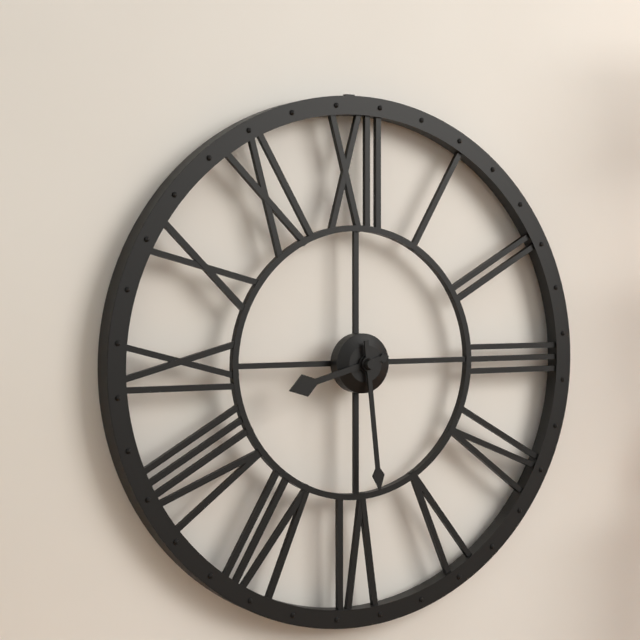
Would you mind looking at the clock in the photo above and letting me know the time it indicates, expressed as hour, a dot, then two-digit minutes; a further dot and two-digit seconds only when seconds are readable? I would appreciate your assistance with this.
8.29
